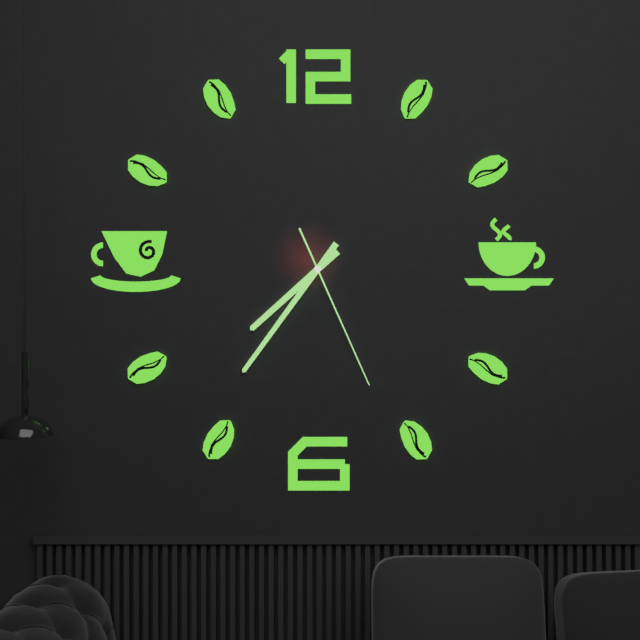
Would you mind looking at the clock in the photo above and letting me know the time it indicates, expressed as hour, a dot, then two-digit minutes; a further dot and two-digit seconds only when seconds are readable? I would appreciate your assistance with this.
7.36.26
